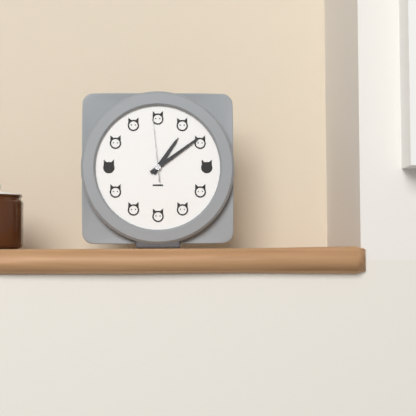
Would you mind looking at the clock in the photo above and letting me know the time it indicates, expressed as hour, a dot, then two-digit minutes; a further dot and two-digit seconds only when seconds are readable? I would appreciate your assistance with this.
1.09.59
